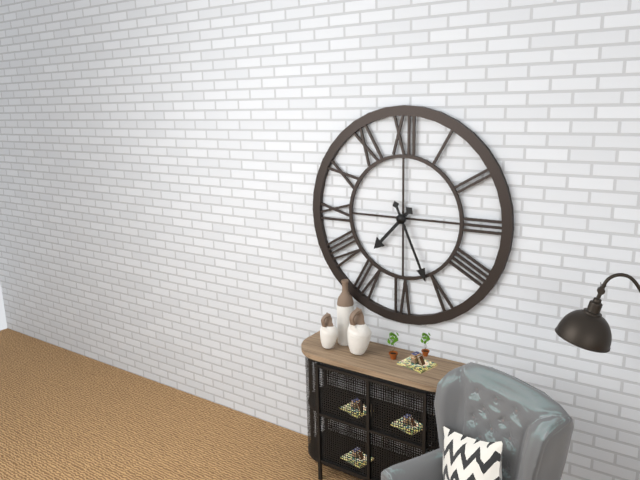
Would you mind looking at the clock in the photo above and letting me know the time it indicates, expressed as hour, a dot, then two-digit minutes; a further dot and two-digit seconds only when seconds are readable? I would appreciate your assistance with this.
7.26
